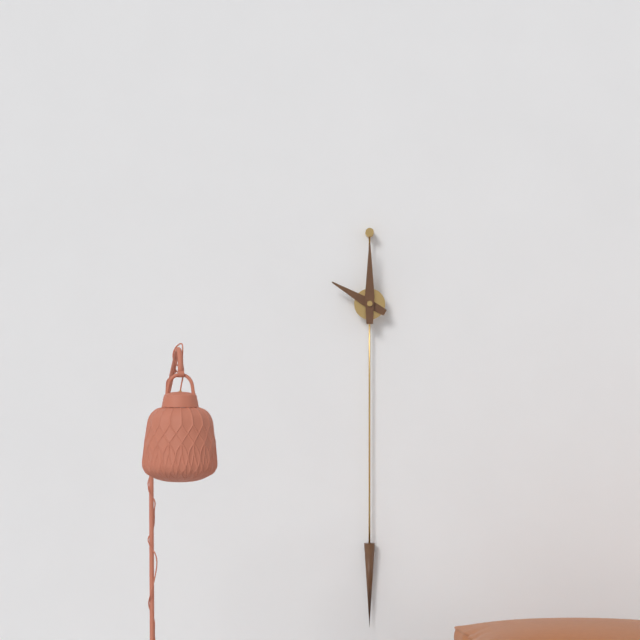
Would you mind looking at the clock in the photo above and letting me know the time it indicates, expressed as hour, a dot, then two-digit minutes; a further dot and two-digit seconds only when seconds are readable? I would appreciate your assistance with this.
10.00
